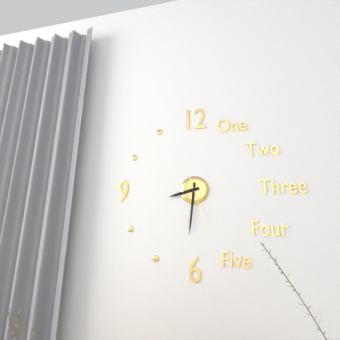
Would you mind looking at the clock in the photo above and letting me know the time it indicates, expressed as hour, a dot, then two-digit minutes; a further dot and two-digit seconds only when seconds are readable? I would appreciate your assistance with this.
8.31.27
